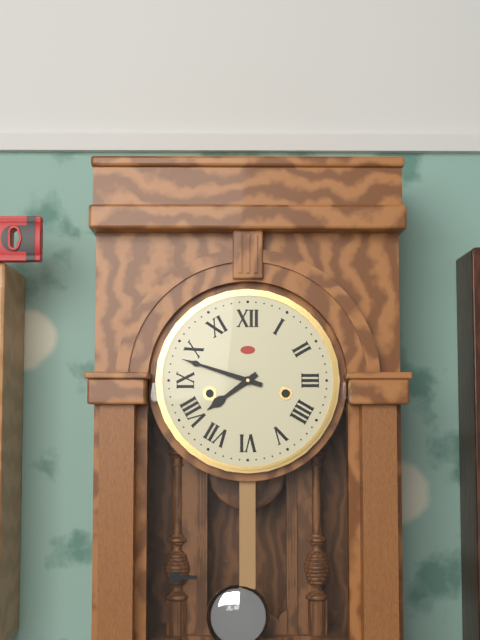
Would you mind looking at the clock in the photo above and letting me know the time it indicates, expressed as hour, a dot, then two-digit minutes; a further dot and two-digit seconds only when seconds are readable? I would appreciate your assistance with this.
7.48
